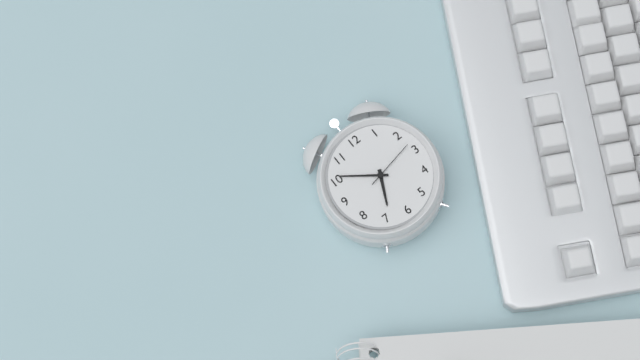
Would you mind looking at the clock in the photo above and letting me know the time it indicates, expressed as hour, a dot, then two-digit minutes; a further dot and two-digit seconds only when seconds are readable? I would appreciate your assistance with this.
6.51.13
